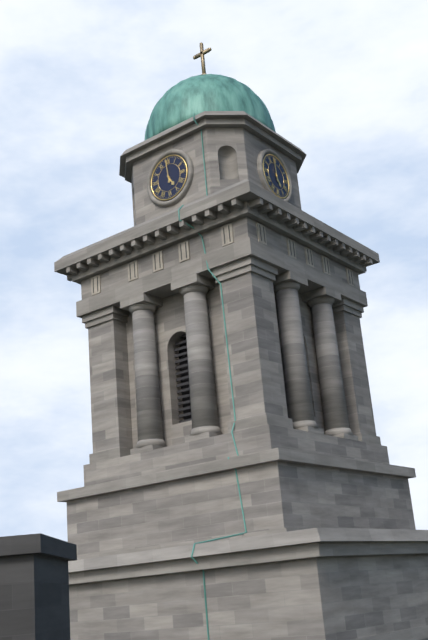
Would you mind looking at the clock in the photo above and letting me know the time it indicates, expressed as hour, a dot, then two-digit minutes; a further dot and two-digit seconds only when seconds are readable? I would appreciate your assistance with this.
4.59
